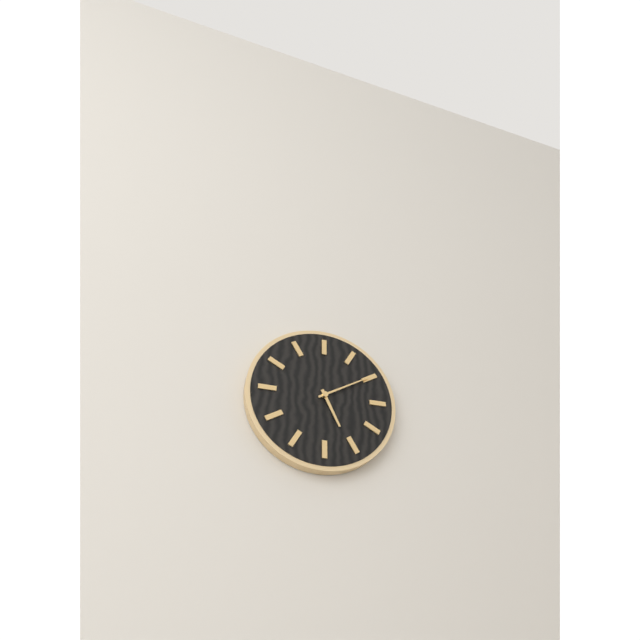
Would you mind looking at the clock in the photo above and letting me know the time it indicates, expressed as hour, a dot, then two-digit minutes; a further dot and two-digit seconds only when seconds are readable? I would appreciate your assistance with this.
5.10
